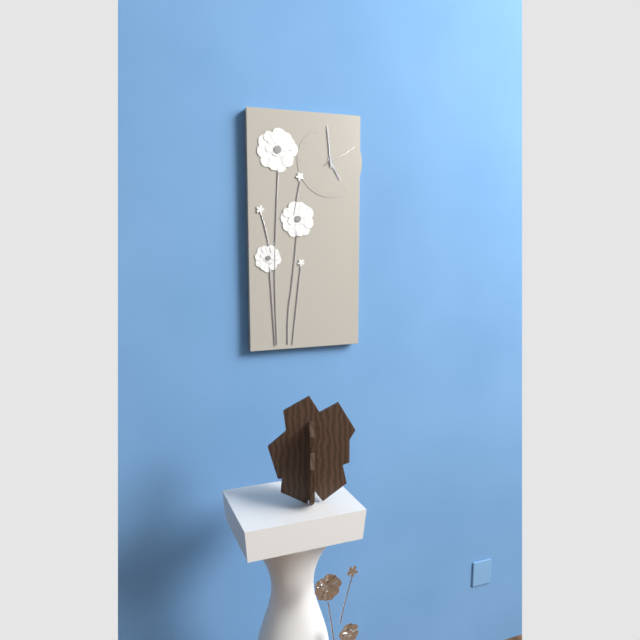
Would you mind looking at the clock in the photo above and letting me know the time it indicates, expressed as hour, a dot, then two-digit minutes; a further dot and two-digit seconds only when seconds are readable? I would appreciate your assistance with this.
4.59
